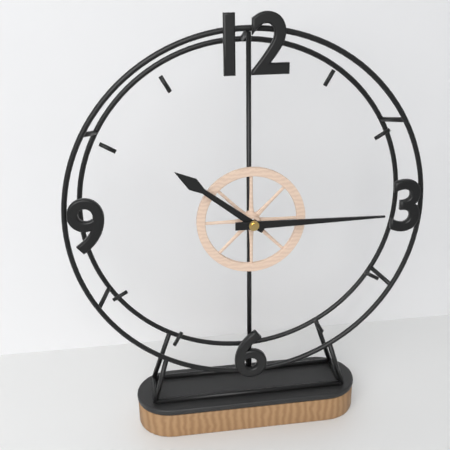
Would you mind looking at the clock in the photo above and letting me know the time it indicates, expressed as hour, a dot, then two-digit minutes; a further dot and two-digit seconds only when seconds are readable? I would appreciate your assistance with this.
10.15
